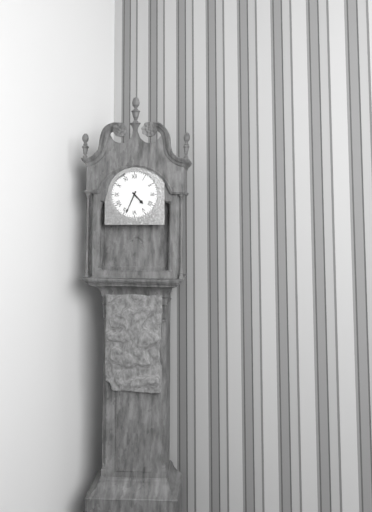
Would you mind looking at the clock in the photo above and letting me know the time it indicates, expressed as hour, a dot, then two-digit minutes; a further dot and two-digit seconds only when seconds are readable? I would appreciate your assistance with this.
4.34
